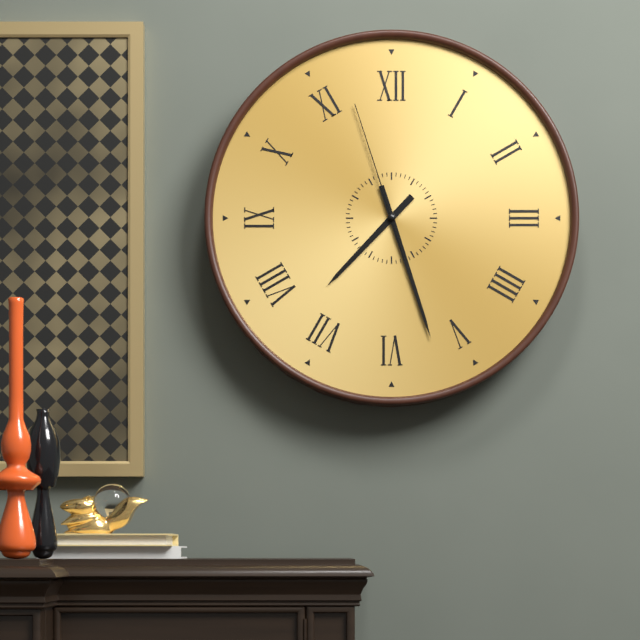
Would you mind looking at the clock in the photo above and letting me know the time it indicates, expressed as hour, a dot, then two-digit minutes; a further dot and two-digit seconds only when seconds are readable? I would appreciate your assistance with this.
7.27.57
